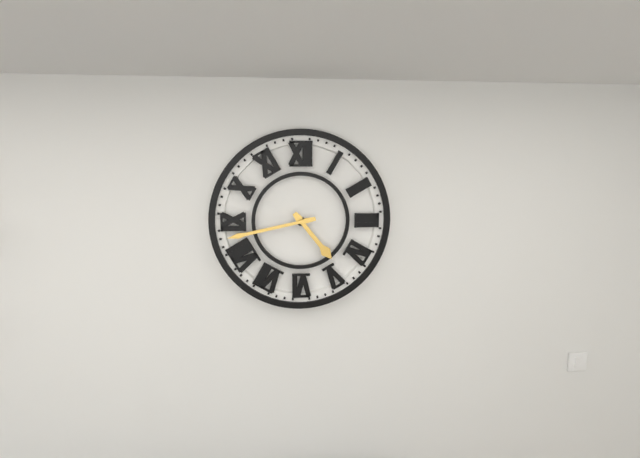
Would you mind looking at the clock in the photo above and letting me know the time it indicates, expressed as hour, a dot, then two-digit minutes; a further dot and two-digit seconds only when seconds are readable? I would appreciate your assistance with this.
4.43
